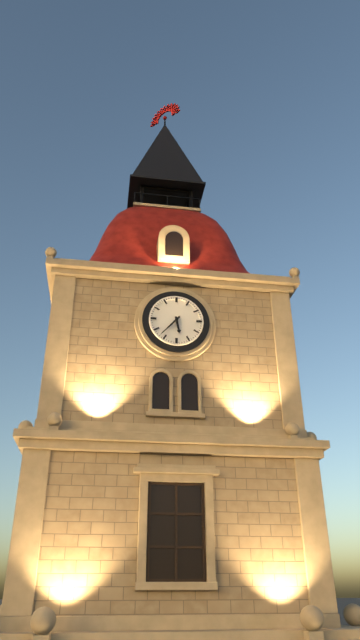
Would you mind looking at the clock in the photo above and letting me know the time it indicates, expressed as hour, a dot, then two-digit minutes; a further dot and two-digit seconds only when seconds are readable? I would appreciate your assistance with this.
5.37
